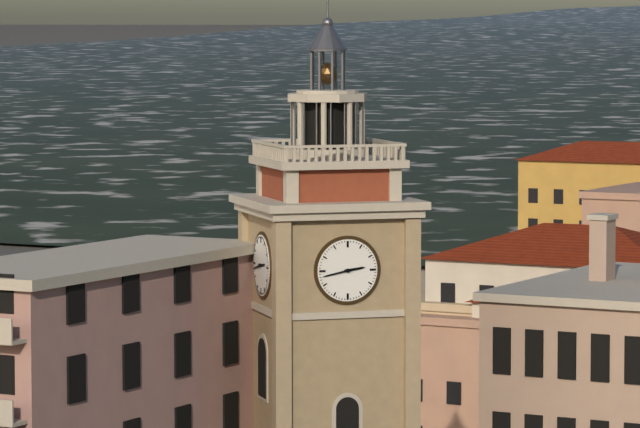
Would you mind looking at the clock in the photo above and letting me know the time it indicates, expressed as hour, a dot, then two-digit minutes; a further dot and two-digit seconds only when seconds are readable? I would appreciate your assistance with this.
2.43
